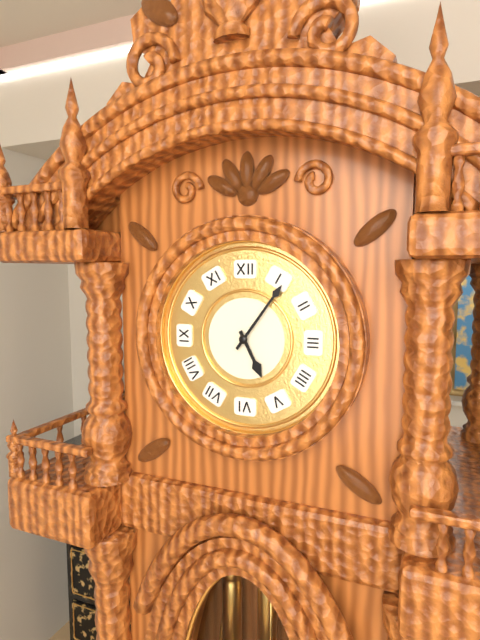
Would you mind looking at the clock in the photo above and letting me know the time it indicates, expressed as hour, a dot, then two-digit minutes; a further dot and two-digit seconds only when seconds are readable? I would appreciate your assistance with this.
5.06
